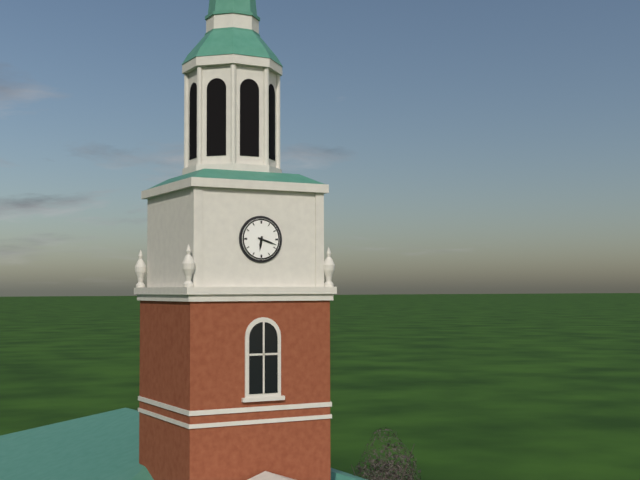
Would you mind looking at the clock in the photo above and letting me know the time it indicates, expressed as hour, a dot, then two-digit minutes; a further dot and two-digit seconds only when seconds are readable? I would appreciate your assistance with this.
6.18
